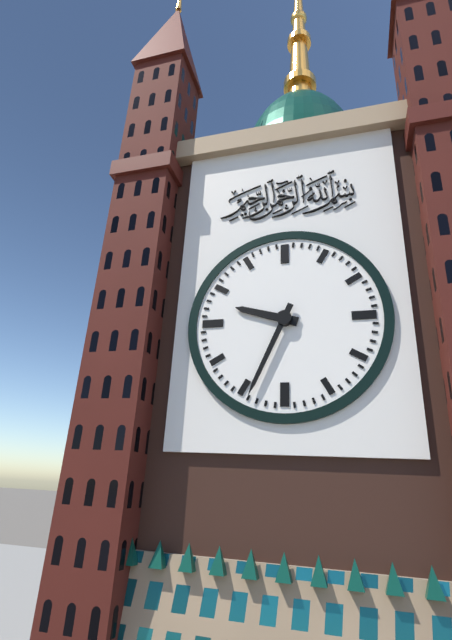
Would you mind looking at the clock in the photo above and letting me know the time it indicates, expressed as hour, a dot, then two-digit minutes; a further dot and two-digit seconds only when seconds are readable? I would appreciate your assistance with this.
9.34
